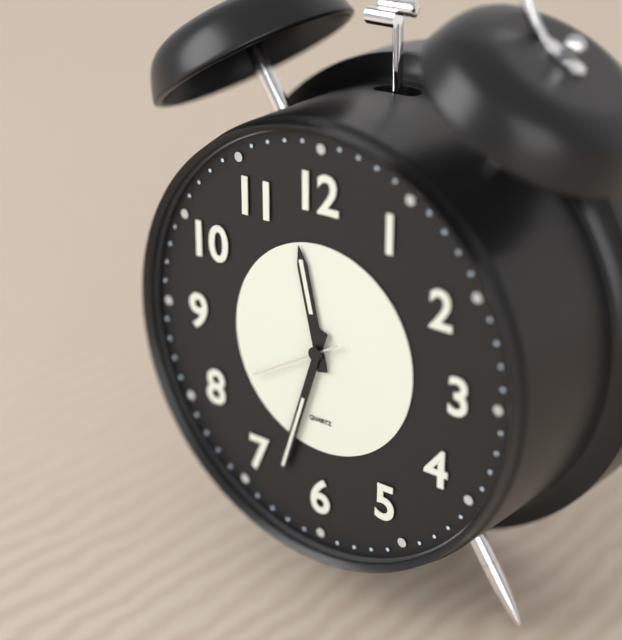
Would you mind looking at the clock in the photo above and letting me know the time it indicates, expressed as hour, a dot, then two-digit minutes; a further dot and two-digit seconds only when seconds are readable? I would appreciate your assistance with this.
11.33.40
